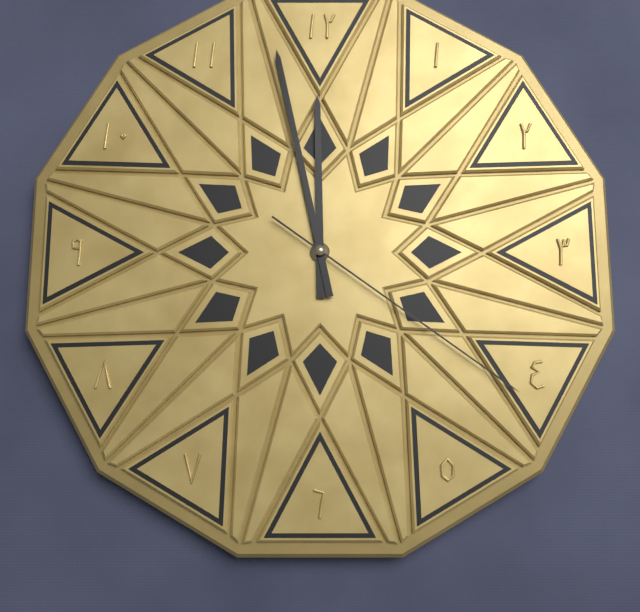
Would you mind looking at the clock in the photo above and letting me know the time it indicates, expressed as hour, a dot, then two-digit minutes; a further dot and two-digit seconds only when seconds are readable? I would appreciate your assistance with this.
11.58.21
